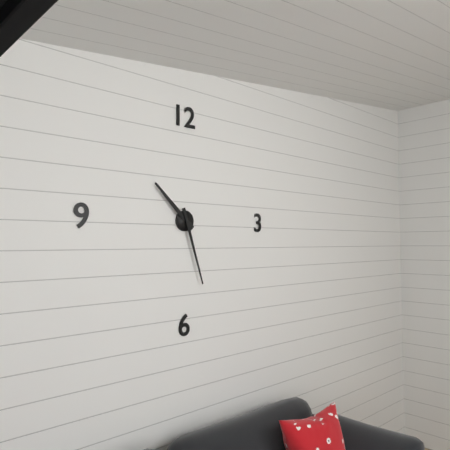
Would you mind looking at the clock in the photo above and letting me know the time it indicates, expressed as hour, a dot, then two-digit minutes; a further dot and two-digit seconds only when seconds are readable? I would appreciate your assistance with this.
10.27
